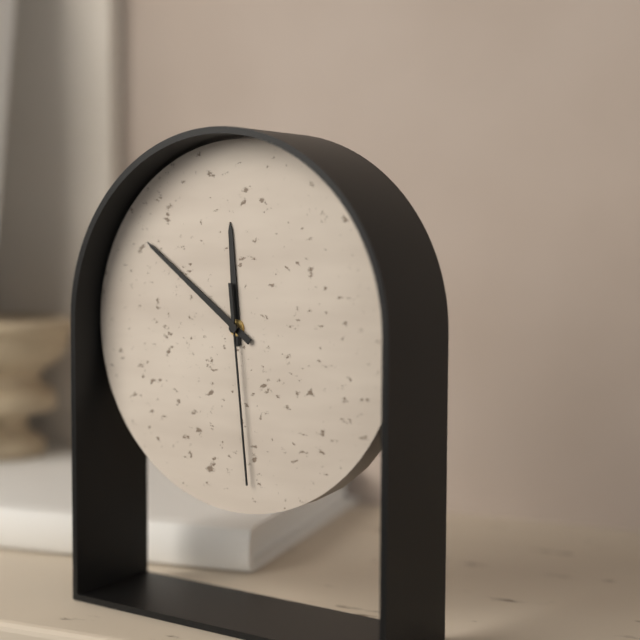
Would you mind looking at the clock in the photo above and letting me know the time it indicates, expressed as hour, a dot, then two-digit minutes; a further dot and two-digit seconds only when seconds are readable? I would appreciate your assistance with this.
11.51.29
